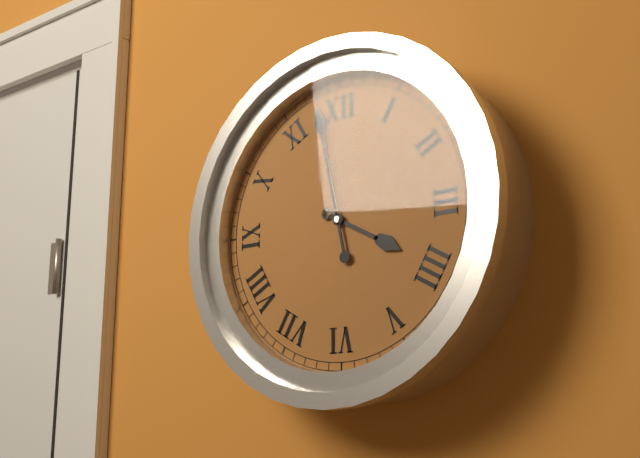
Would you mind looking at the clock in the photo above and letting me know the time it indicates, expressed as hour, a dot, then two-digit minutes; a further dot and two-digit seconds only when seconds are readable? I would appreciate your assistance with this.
3.58
